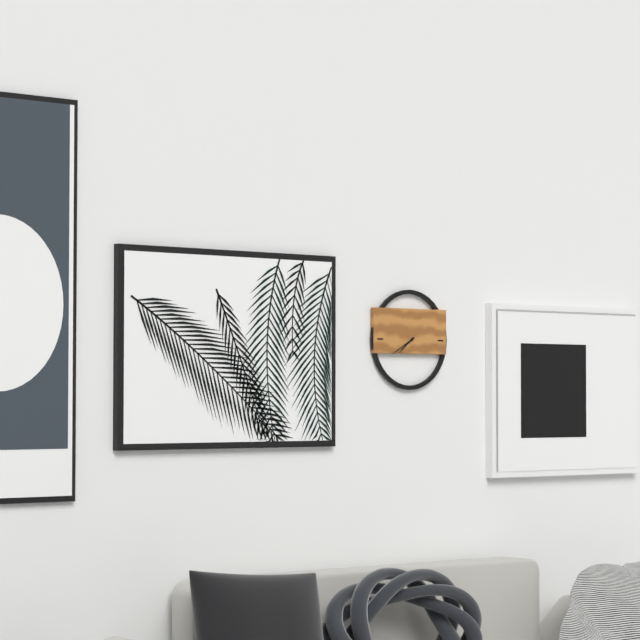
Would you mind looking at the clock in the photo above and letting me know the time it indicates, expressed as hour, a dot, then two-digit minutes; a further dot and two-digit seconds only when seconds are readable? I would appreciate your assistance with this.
7.40
